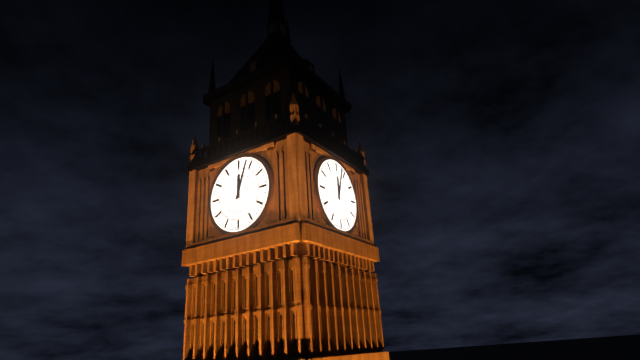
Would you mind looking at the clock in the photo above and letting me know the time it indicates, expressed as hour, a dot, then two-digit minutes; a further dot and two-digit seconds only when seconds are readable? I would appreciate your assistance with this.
12.03
